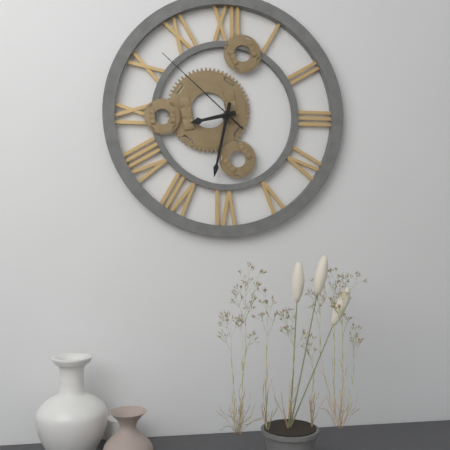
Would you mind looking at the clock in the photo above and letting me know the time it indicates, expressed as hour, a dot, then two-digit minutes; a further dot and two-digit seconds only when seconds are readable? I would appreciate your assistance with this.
8.32.52
